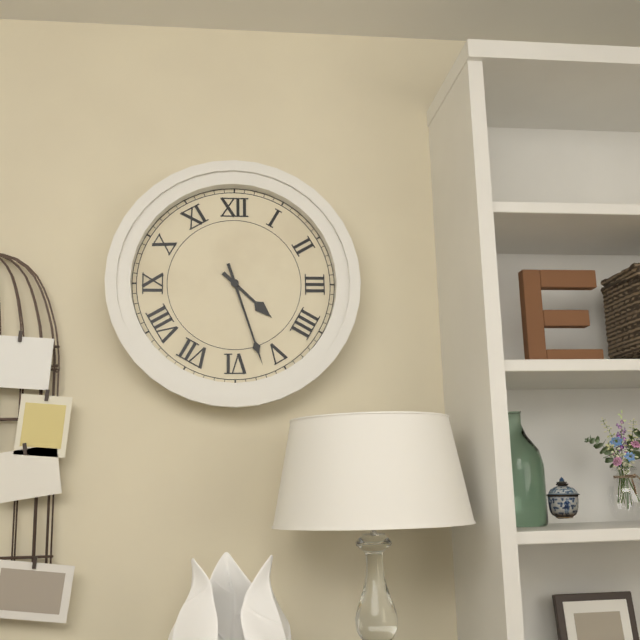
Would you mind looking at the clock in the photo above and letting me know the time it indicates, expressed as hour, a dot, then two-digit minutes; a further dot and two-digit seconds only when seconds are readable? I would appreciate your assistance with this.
4.27
